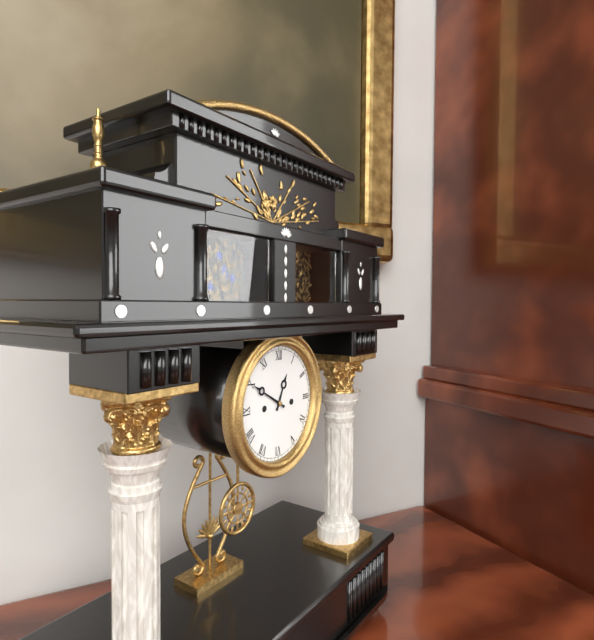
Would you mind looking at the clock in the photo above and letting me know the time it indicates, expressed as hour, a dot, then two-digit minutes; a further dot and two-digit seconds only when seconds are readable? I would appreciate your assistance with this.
12.50
